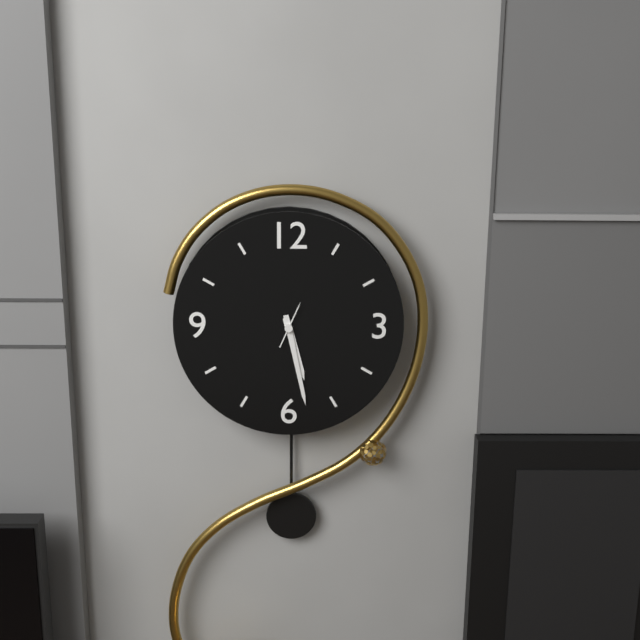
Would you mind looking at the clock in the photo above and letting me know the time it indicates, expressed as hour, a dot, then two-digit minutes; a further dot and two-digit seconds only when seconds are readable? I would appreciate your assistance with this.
5.28
